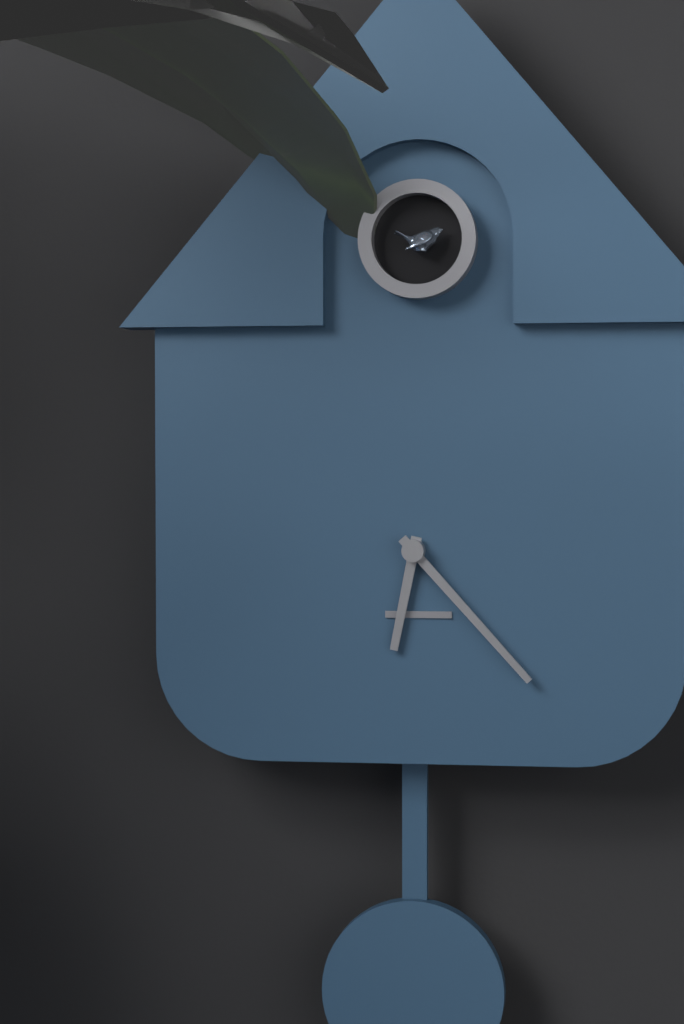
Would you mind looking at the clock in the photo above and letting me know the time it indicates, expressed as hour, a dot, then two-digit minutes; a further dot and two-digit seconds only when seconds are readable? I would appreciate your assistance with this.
6.23
